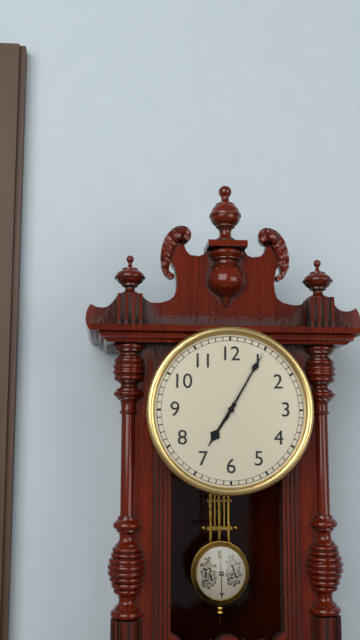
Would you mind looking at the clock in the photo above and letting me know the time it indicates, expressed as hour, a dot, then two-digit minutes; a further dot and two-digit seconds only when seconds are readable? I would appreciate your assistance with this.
7.05
